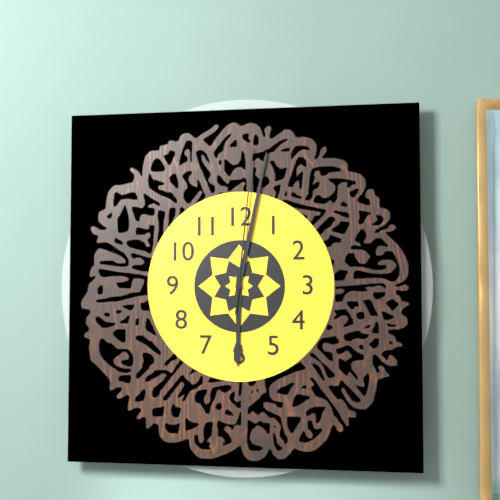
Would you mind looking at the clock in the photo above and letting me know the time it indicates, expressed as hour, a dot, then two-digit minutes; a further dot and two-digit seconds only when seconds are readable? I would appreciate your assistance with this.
6.02.01
